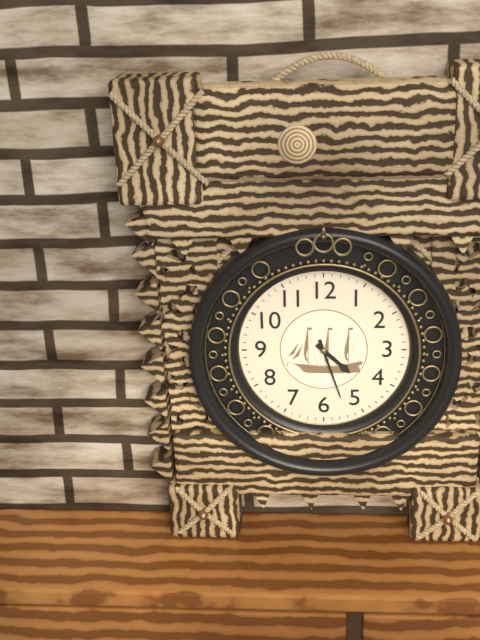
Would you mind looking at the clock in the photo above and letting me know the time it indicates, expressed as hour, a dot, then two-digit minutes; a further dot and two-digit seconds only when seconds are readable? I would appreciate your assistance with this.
4.27
